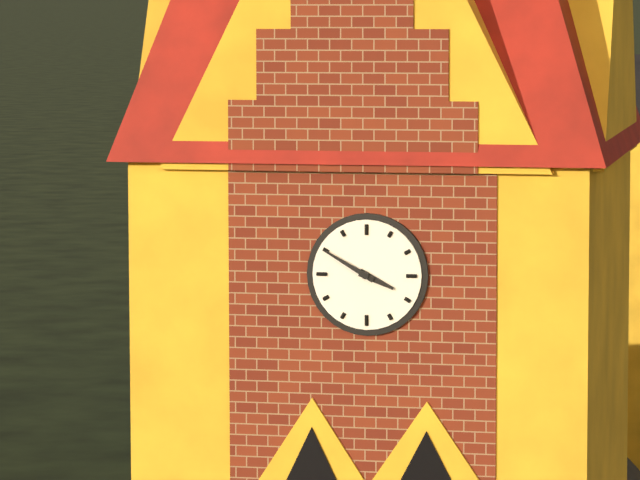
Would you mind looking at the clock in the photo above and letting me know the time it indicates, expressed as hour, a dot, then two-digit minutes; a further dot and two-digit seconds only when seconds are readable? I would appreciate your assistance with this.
3.50
